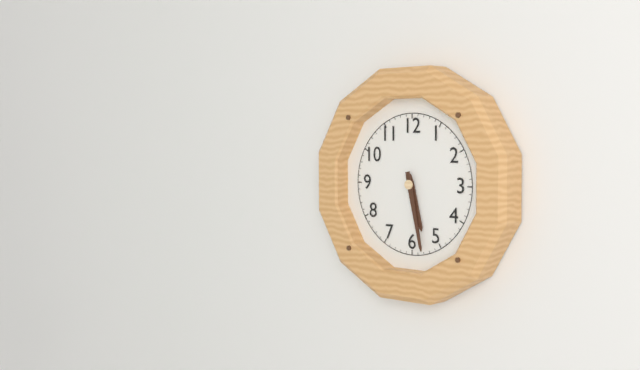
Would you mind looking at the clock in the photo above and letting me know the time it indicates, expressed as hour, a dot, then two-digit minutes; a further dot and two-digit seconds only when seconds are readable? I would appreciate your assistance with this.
5.28
